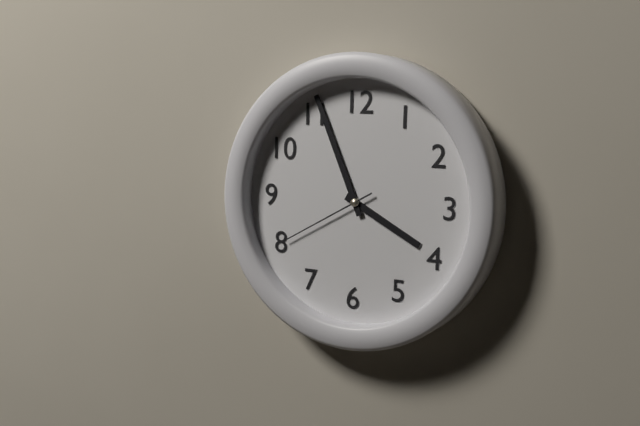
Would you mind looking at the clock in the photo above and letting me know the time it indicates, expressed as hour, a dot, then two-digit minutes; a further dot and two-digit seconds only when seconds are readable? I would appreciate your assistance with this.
3.56.40
